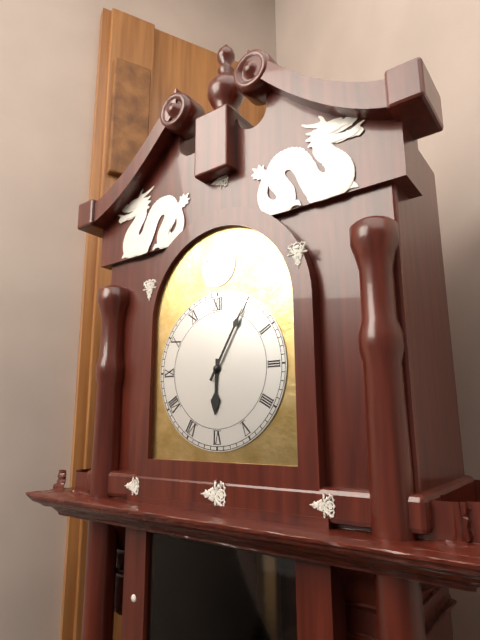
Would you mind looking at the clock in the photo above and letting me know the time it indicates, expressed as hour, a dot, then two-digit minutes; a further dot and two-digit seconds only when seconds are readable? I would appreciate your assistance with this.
6.05
